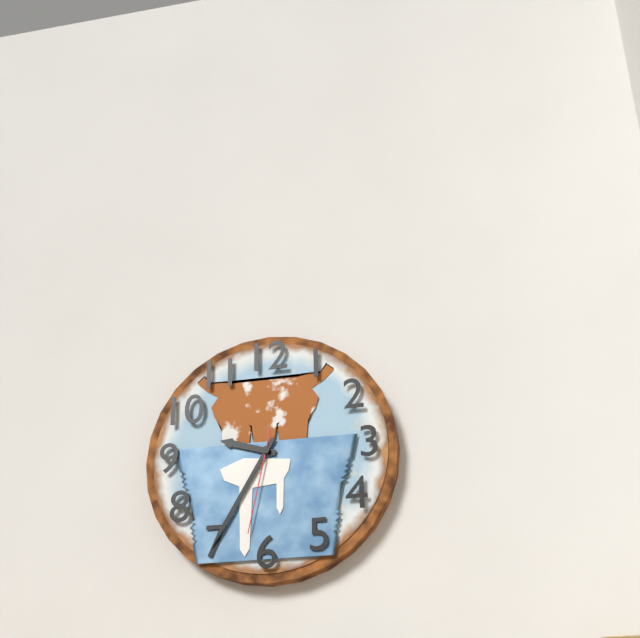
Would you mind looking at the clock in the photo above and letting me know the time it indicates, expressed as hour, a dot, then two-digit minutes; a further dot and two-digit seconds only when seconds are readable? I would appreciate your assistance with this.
9.35.32
